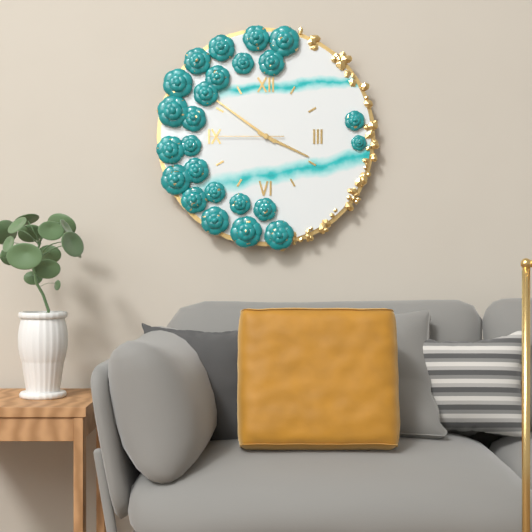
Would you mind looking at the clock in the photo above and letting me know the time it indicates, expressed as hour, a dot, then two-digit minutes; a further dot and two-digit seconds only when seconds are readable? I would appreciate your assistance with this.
3.51.45
